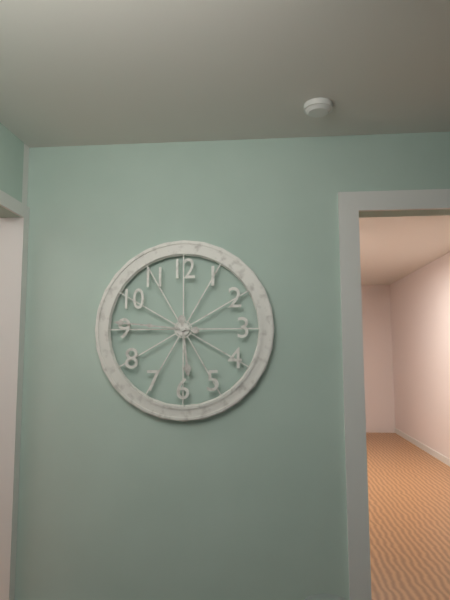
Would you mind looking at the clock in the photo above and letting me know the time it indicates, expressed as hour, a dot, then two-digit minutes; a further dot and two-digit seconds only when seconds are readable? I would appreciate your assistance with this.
5.46
